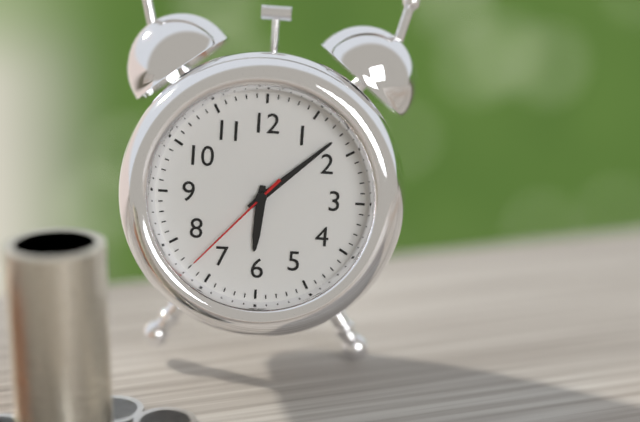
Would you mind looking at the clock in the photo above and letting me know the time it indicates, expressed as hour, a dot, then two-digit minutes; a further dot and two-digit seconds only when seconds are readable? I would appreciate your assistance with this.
6.08.37
